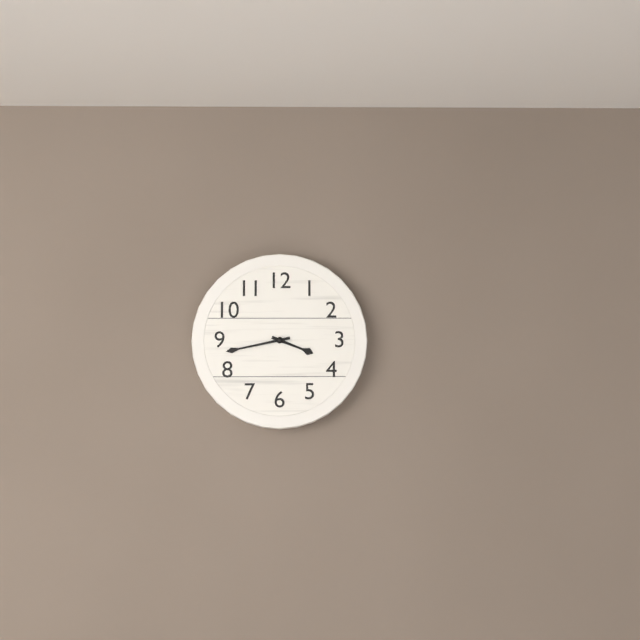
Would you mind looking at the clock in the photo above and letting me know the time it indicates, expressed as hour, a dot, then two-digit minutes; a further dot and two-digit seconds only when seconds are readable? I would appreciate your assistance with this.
3.43
